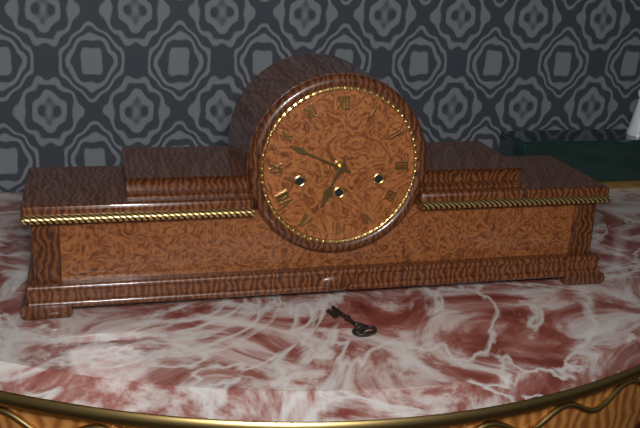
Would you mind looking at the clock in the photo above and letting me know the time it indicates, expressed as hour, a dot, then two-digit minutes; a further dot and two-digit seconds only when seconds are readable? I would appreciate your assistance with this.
6.49
